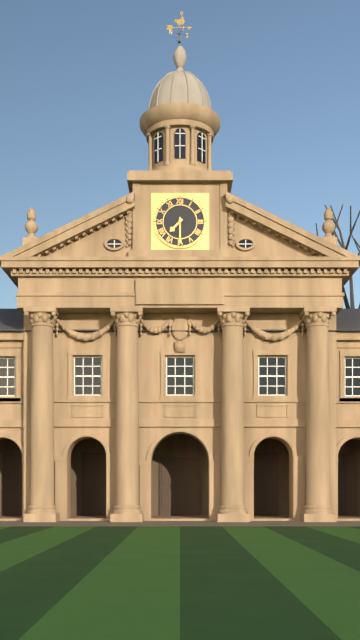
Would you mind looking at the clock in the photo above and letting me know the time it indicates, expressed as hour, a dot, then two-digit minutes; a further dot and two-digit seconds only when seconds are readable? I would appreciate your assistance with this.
7.30
